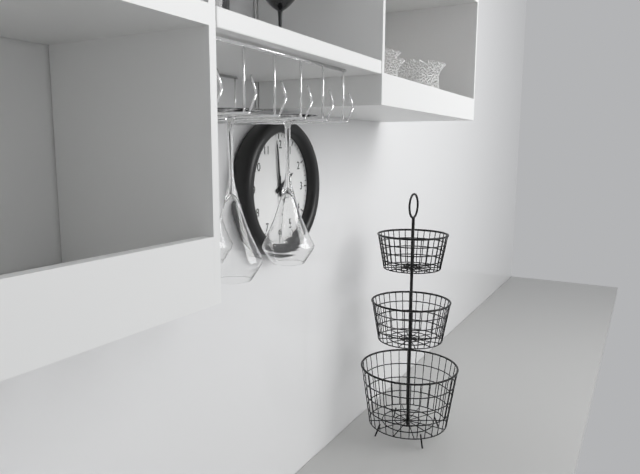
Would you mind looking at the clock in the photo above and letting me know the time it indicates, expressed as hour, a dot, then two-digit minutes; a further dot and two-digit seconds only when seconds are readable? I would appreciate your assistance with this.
1.59.30
